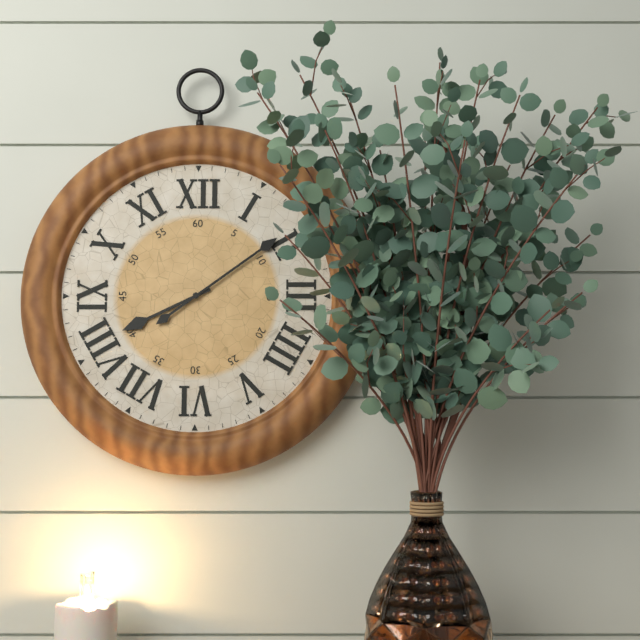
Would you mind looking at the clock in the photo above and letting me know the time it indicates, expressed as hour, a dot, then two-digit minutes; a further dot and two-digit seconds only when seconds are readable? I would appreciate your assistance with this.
8.09
